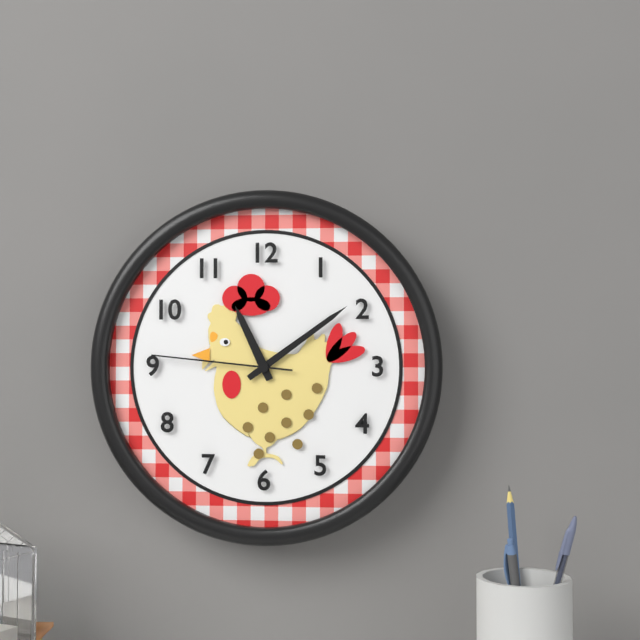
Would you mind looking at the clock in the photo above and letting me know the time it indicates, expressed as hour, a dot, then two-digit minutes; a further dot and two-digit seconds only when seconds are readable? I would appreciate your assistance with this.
11.09.46
